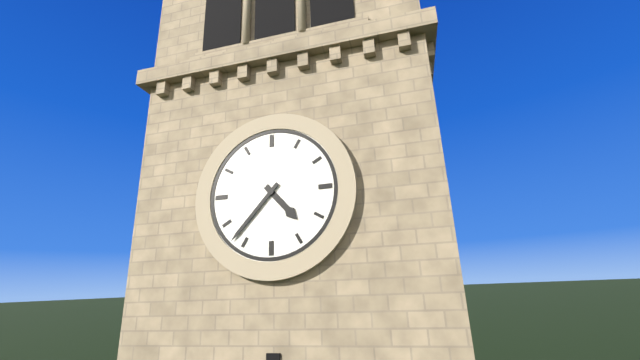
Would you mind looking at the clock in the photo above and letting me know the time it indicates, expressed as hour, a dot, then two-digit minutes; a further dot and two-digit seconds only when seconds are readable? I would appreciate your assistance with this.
4.37
